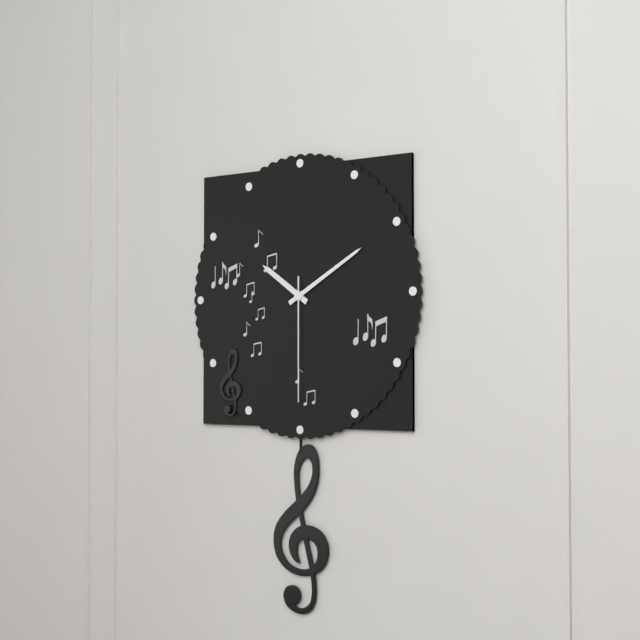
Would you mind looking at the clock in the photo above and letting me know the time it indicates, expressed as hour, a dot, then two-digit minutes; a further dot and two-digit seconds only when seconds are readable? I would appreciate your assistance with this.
10.10.30
